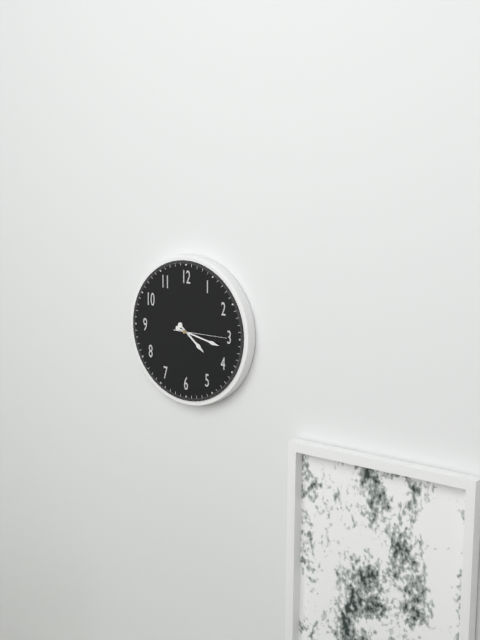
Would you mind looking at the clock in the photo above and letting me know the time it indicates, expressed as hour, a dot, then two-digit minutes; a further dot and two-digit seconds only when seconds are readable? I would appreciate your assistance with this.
4.17.15
